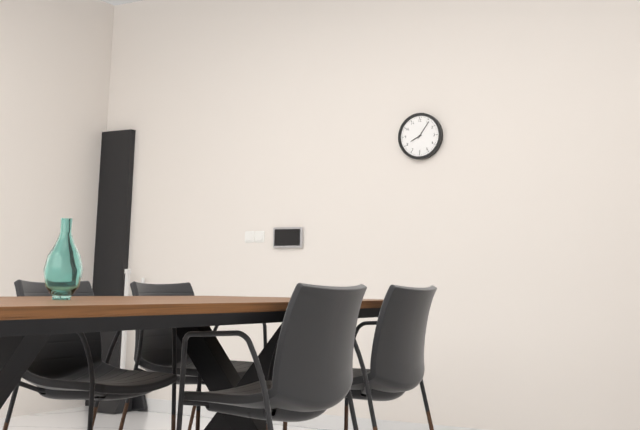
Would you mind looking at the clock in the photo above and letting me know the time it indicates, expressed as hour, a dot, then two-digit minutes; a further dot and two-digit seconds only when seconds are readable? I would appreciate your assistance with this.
8.06
